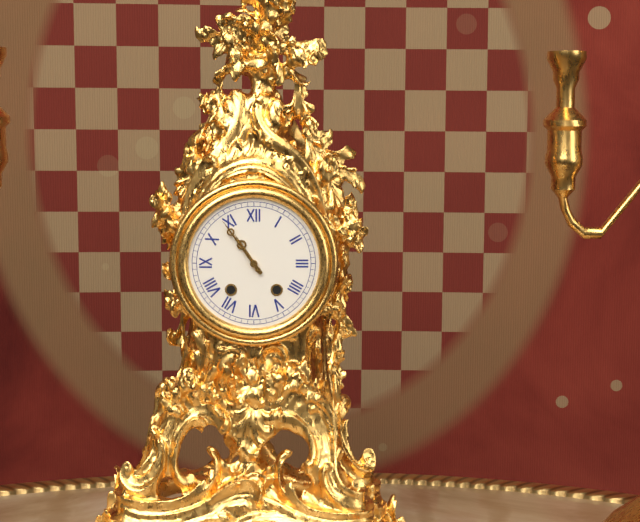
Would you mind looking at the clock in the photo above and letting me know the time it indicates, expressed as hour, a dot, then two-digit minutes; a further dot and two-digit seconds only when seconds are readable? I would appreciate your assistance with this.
10.54
